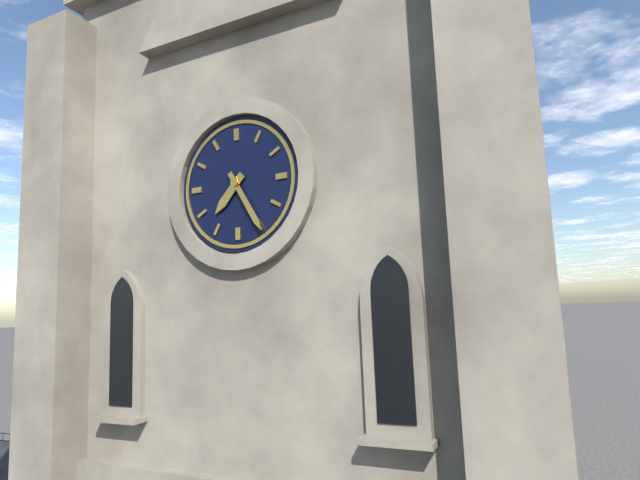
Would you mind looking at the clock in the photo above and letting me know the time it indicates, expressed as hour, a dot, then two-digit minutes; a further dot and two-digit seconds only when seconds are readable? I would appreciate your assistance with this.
7.25
